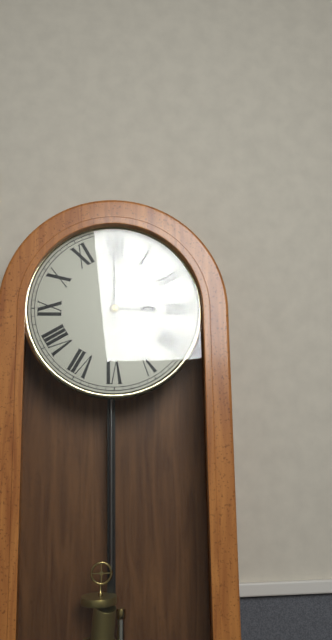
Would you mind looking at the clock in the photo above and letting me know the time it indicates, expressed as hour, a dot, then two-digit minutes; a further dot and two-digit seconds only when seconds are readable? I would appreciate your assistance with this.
3.00
